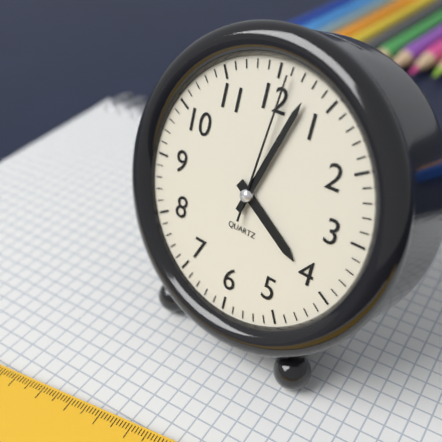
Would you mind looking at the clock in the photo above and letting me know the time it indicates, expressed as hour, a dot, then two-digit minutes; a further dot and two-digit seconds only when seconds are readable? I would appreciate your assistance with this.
4.03.01
